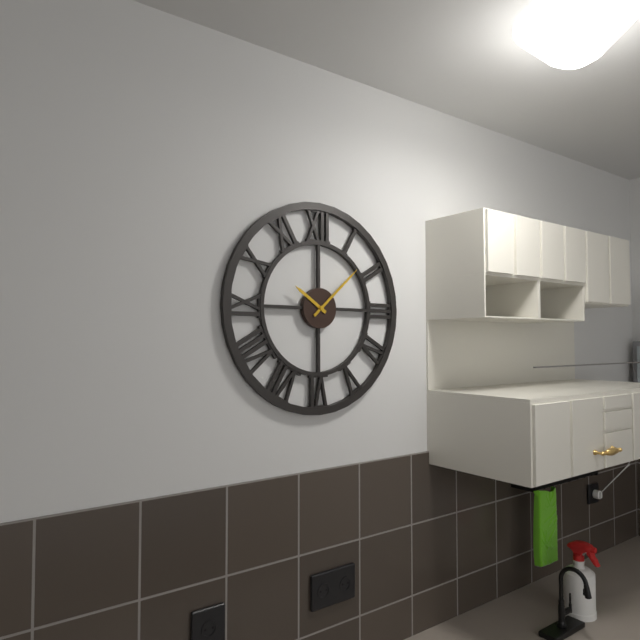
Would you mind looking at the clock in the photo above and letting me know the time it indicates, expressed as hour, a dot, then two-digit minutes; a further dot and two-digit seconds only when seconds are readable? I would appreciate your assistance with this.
10.08
